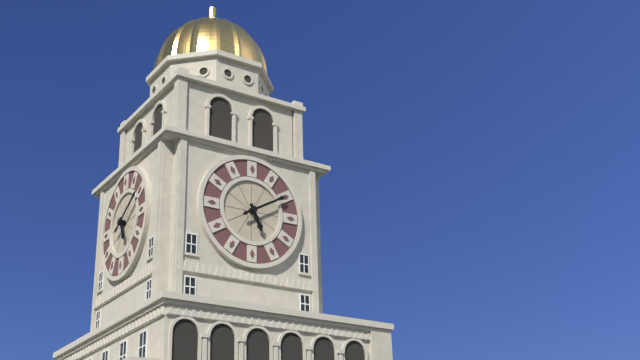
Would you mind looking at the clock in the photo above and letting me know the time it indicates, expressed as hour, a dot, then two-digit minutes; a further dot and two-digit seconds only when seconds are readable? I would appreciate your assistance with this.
5.10
